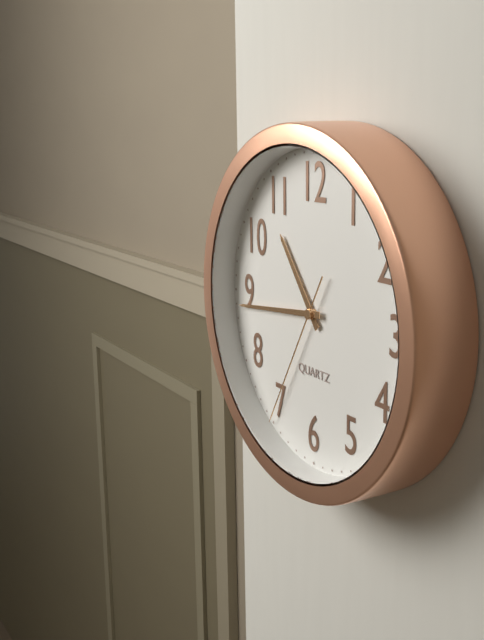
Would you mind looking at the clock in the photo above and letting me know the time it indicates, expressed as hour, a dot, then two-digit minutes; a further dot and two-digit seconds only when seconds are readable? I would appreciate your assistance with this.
10.44.35
